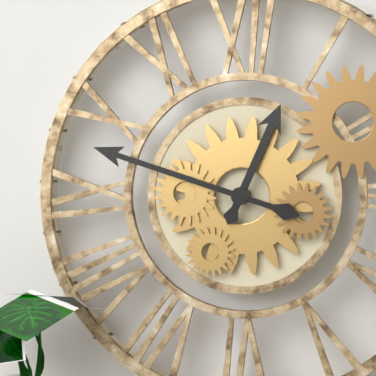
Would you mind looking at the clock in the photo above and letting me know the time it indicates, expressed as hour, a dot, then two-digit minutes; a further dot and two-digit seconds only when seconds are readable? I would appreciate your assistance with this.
12.48
